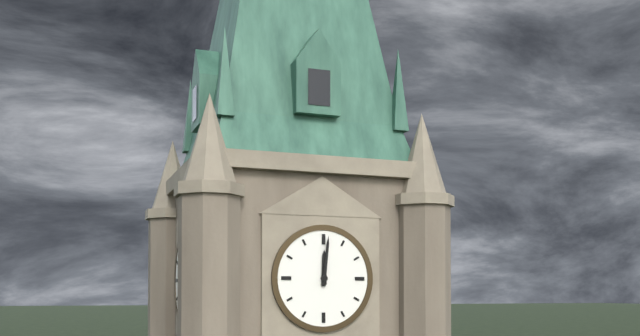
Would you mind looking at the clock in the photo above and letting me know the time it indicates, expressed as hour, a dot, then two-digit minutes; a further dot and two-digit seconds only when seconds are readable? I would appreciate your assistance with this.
12.01
